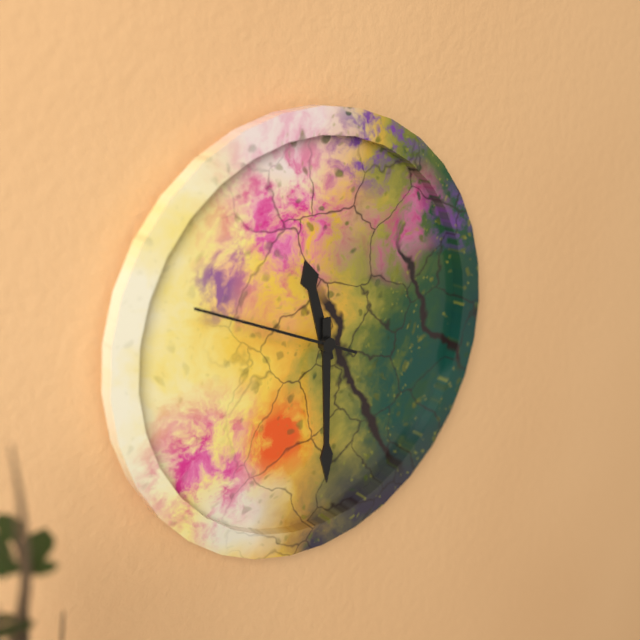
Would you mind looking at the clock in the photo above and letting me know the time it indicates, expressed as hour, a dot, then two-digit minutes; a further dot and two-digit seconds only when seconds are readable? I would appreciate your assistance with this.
11.30.49
